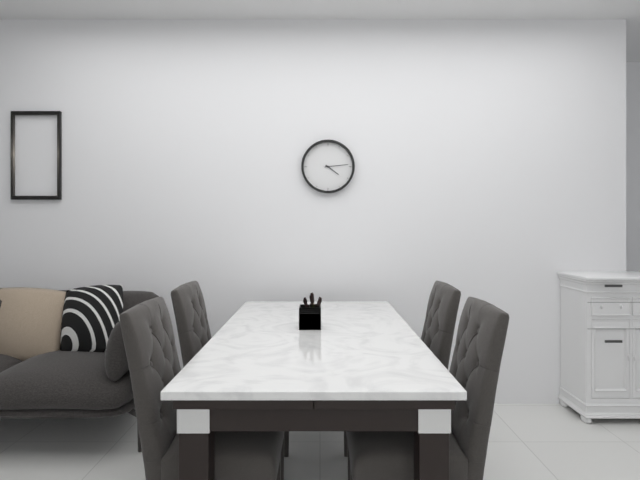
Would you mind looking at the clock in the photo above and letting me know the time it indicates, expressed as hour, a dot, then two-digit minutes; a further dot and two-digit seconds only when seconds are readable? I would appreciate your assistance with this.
4.14
